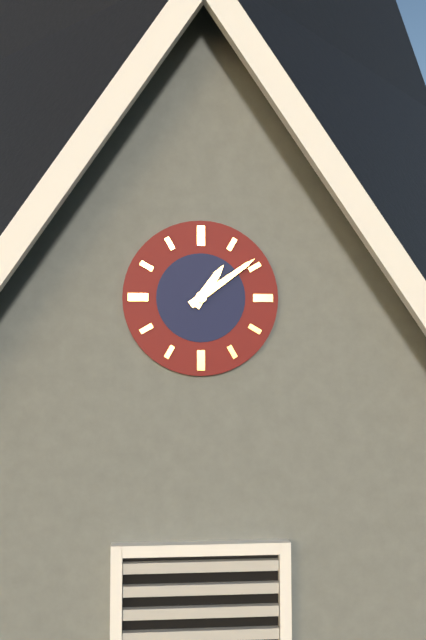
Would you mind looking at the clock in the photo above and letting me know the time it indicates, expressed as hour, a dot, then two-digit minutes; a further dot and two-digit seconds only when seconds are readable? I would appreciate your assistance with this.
1.09
